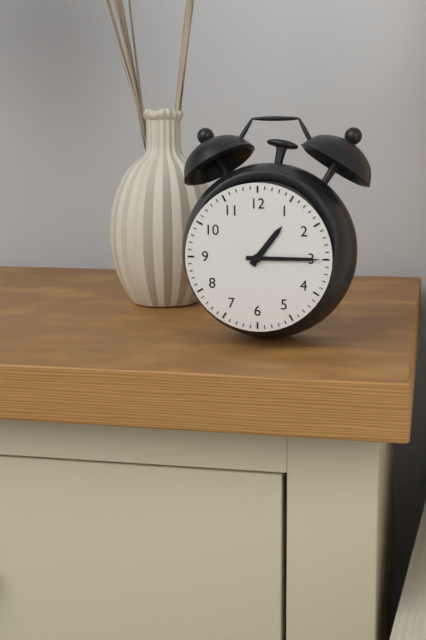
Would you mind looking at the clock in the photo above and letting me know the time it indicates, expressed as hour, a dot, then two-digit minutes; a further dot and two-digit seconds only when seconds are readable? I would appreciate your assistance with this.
1.15
